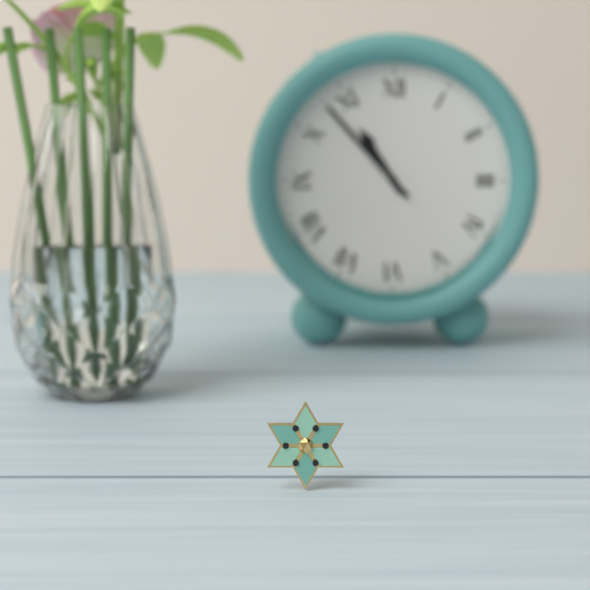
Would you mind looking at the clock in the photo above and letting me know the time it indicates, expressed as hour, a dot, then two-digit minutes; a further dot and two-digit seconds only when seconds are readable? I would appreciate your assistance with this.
10.53
